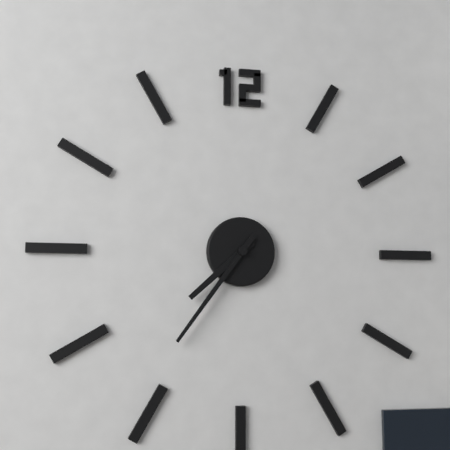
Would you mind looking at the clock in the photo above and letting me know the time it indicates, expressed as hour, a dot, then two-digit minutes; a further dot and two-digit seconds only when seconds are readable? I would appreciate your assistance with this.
7.36
